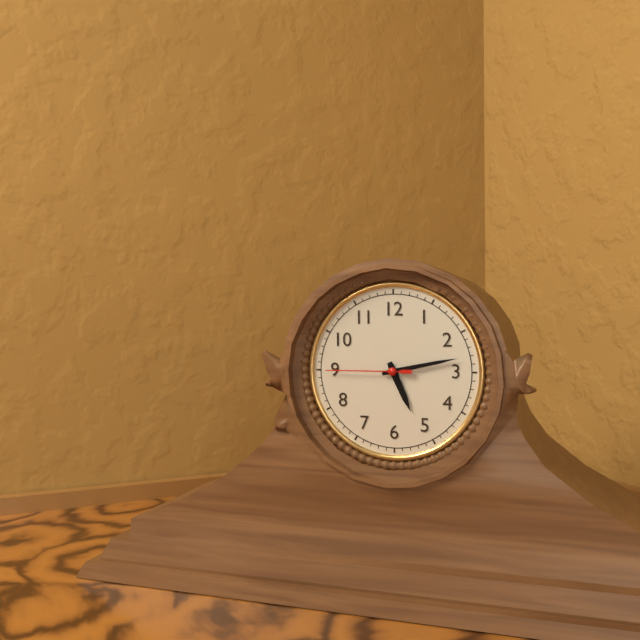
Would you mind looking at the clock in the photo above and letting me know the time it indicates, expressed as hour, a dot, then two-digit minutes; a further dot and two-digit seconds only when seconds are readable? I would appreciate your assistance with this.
5.13.45
